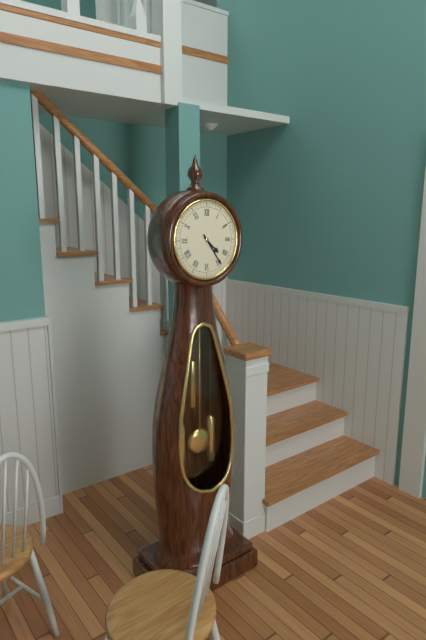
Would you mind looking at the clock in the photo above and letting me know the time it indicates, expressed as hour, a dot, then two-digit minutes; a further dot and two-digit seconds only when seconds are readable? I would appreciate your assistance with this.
4.24
